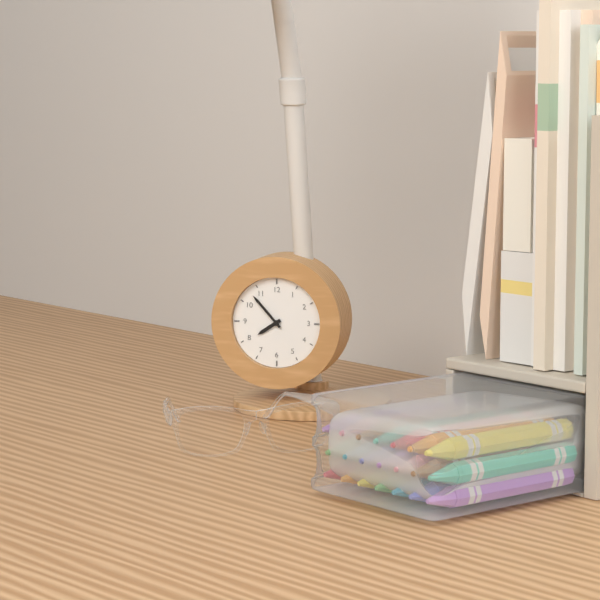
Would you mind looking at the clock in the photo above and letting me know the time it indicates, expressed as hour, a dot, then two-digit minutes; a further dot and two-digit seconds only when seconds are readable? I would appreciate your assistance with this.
7.53
